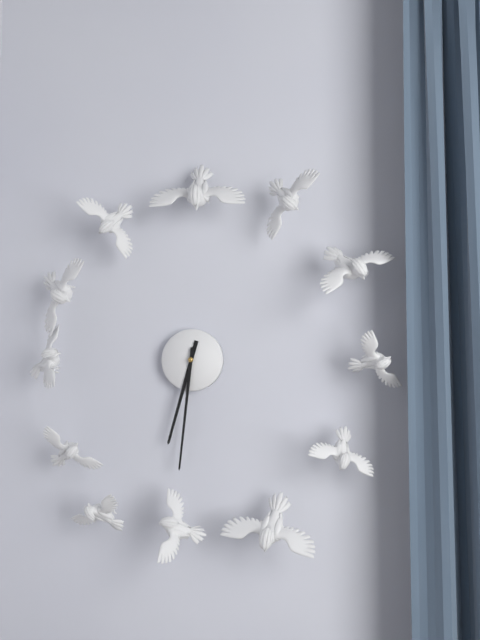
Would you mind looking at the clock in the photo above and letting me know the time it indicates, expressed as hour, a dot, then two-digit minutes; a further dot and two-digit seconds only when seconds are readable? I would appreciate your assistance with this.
6.31
